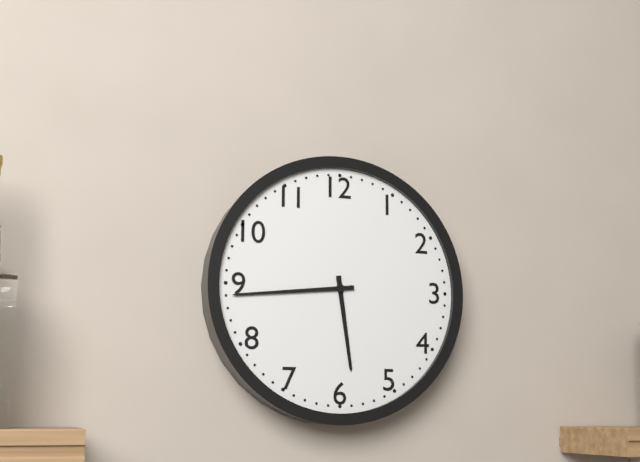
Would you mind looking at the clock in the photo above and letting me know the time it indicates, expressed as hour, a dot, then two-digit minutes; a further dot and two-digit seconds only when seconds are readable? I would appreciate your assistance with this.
5.44
